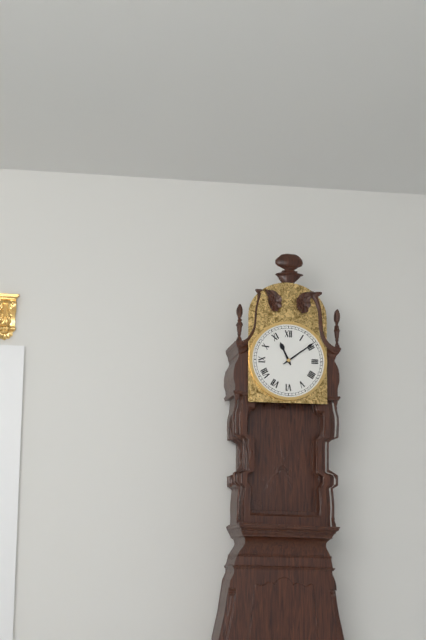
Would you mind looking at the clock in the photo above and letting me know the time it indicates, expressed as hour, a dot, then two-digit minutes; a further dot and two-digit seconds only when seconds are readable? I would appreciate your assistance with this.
11.09
